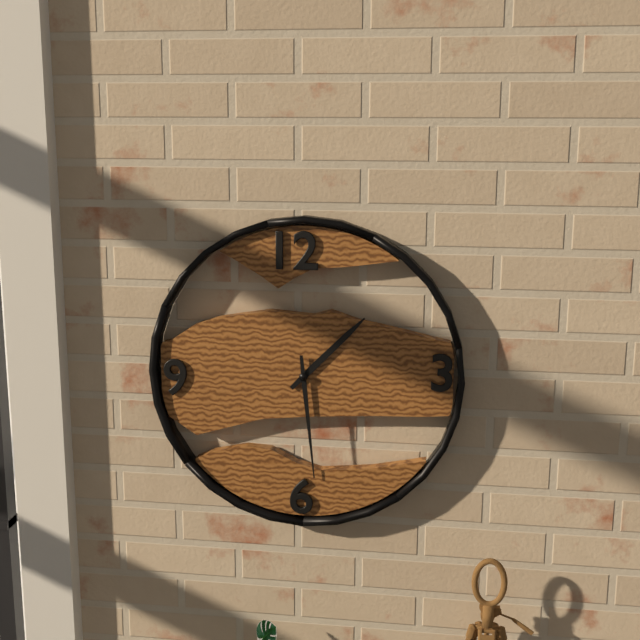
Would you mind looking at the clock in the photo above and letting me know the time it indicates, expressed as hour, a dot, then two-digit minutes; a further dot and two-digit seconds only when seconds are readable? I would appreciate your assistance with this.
1.29
